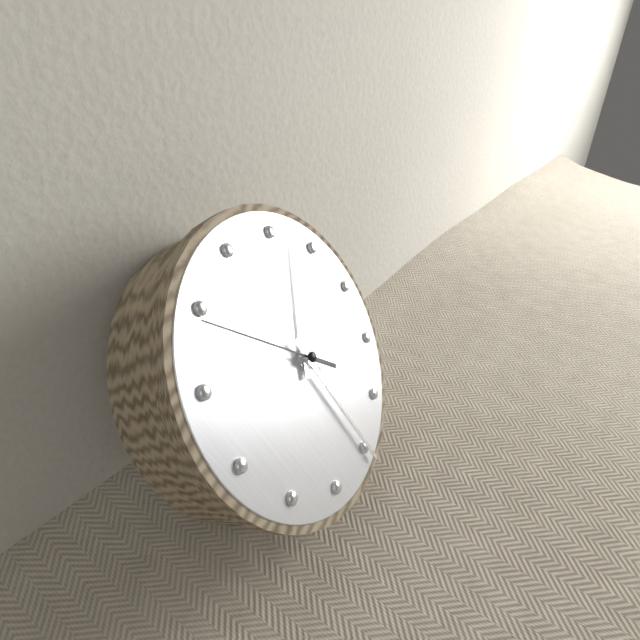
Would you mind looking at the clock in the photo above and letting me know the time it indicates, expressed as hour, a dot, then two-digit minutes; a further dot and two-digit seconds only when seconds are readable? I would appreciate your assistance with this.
1.30.54
